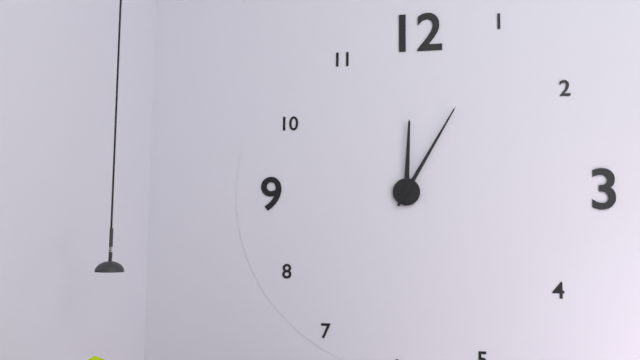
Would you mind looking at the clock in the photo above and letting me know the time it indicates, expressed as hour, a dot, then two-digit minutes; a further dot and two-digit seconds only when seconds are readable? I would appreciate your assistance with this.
12.05
